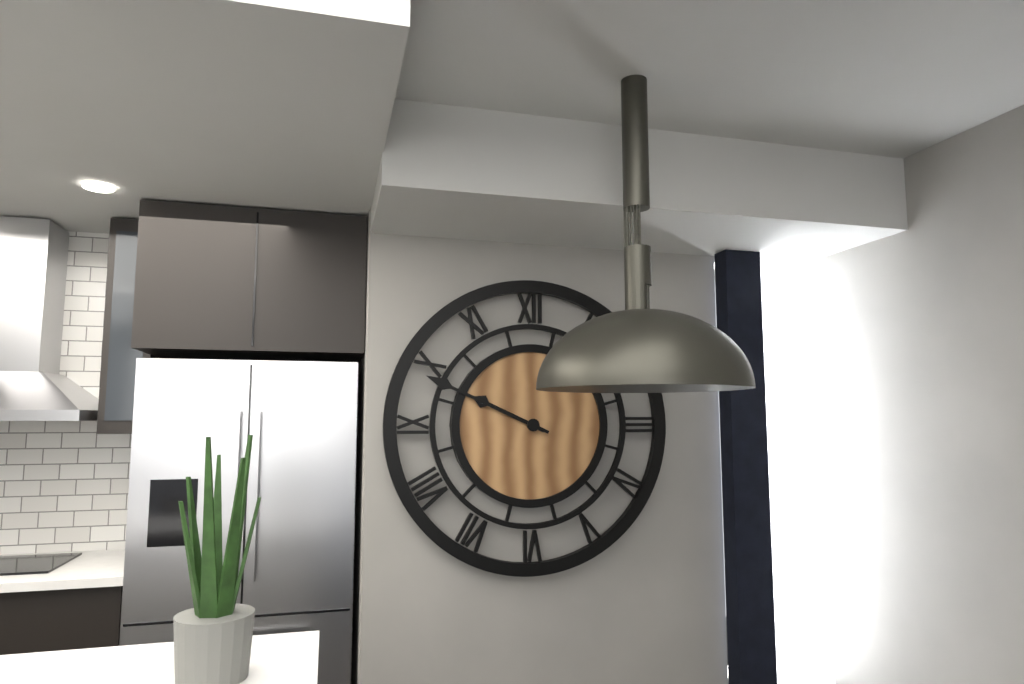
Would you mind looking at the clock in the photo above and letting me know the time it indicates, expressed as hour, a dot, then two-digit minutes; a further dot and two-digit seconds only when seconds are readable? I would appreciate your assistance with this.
9.49
